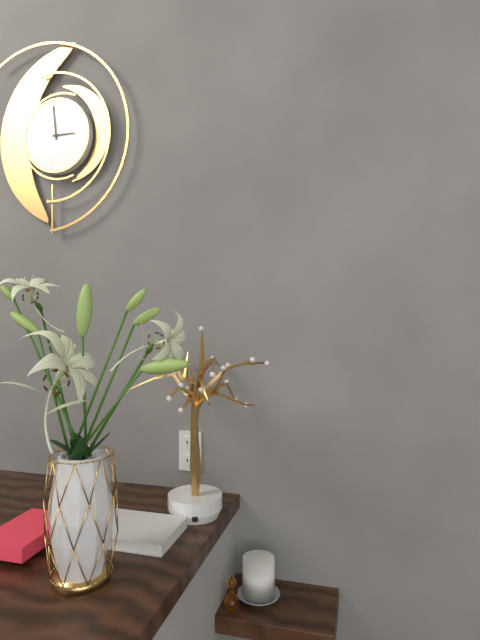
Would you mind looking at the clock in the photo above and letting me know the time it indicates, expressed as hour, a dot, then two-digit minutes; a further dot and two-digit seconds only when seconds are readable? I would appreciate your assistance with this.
2.59
